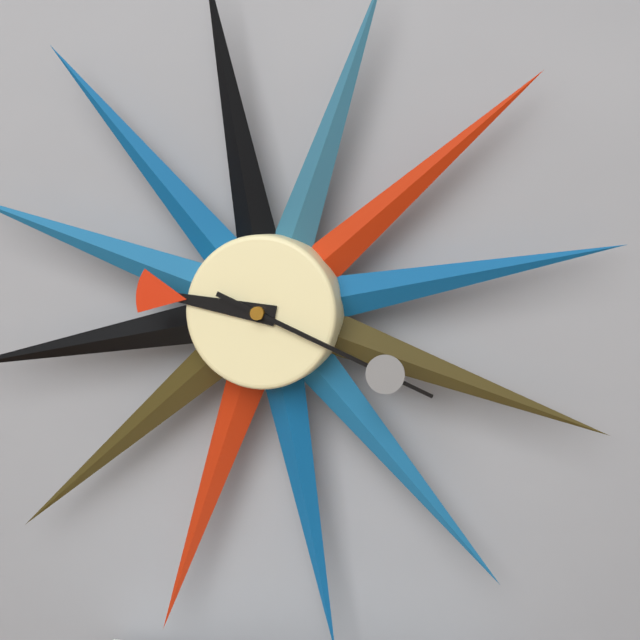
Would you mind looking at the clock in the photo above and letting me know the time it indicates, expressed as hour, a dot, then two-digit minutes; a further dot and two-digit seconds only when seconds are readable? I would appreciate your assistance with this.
9.19
